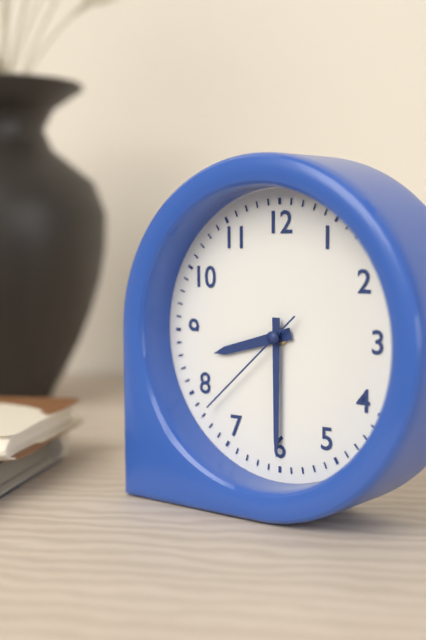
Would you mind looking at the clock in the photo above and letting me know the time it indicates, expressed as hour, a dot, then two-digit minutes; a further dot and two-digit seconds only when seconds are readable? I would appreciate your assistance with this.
8.30.38
